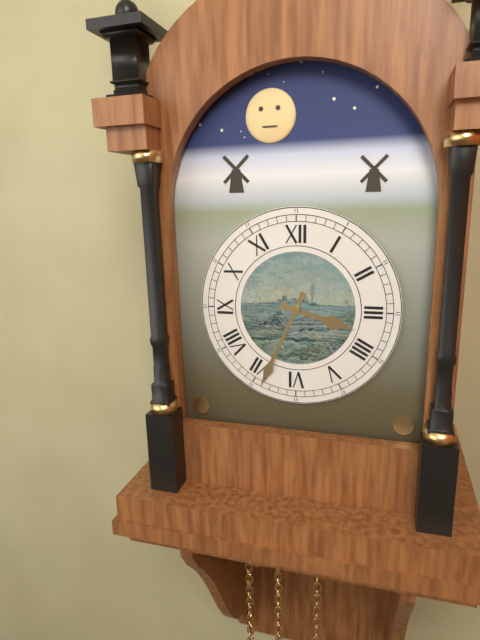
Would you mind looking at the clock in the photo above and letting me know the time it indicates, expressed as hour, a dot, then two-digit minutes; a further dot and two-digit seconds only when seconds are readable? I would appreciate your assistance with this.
3.34
